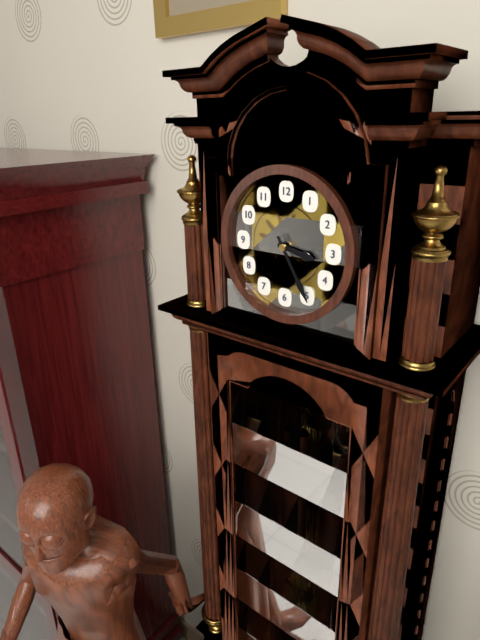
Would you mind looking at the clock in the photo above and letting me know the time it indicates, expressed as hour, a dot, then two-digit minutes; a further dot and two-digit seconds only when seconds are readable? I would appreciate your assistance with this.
3.25
